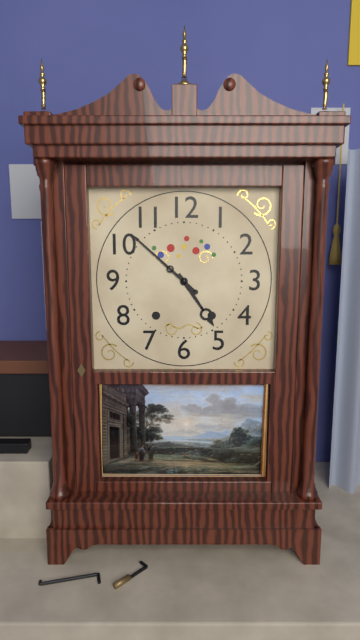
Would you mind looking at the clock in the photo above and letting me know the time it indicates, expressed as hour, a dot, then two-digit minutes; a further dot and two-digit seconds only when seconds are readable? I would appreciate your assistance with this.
4.52
